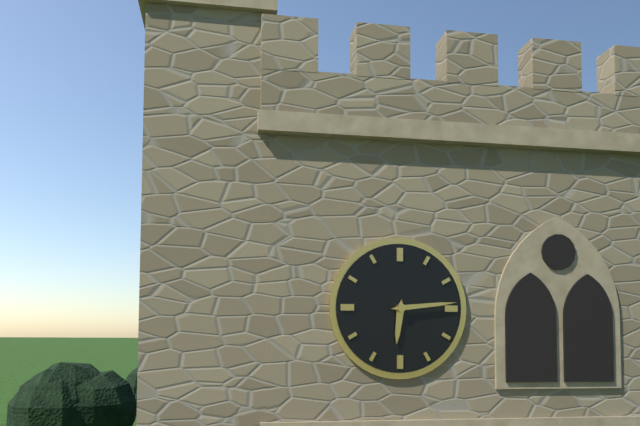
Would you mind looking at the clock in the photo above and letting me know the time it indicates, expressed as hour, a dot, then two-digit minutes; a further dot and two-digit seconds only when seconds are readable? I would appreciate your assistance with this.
6.14
